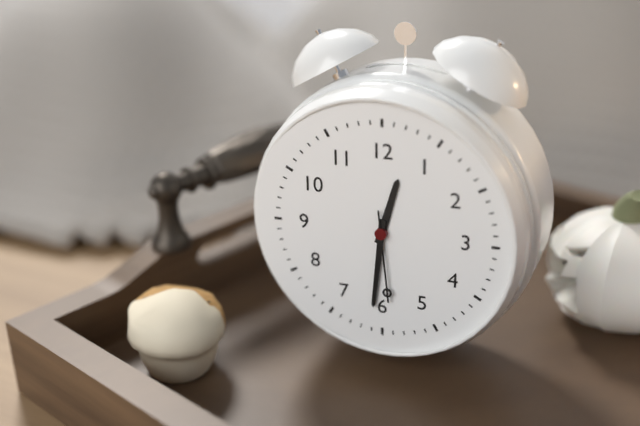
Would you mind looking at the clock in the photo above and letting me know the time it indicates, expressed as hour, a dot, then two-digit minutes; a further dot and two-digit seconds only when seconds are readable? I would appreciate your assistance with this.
12.31.29
